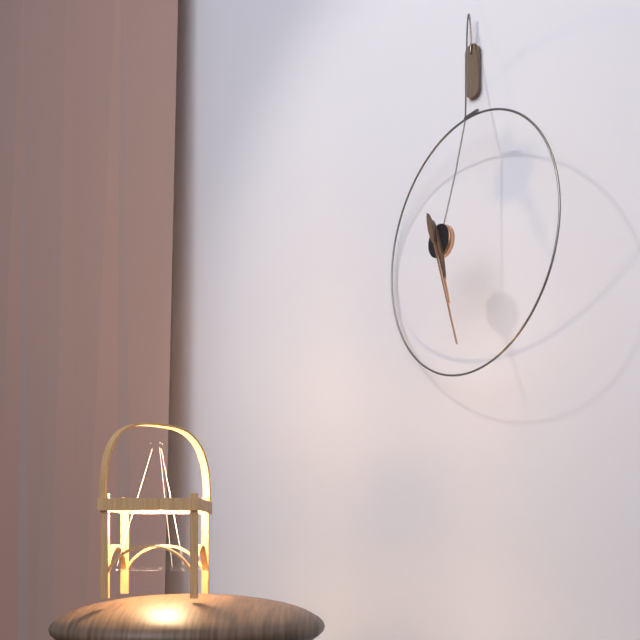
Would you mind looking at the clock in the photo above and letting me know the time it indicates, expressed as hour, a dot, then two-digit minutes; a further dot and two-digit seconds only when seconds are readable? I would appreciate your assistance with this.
5.27
